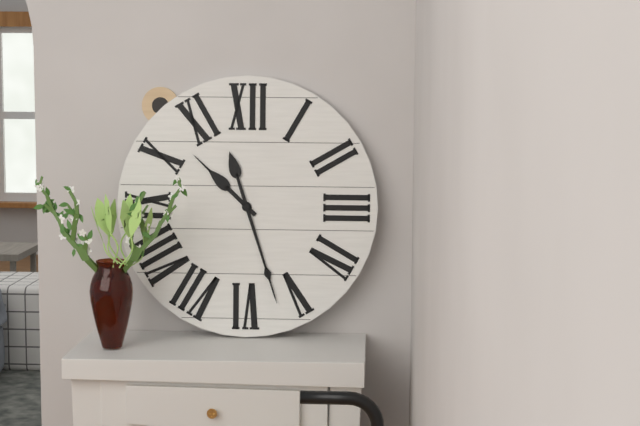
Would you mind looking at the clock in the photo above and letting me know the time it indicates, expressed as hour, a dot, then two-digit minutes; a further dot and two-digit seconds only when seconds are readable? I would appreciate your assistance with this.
10.27
